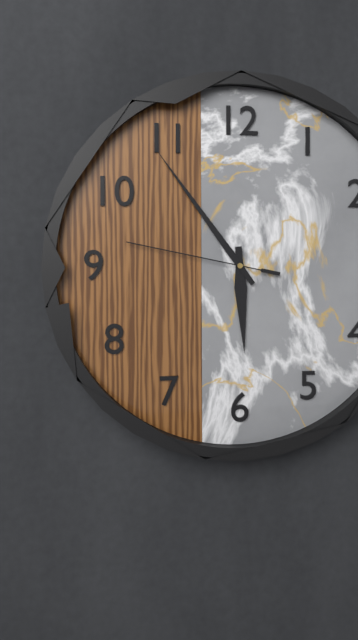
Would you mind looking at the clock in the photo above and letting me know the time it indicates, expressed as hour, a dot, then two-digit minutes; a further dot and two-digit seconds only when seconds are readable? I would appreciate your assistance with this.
5.54.47
